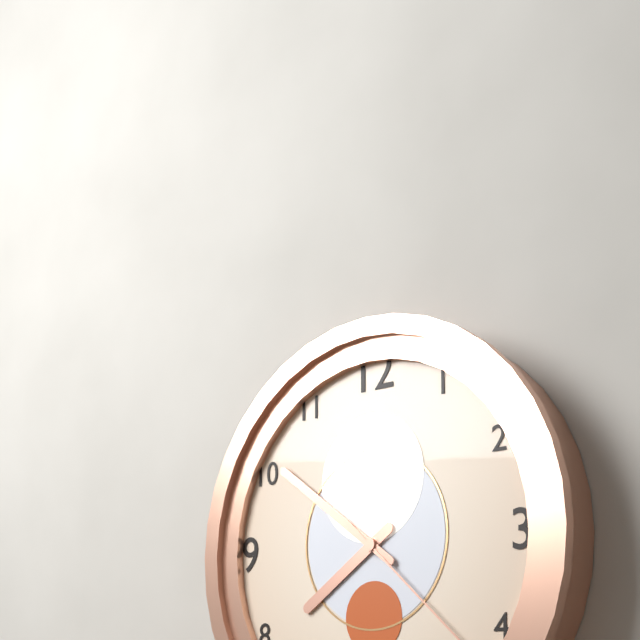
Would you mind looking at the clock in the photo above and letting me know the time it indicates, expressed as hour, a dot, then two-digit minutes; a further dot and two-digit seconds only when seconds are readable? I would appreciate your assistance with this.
7.51
